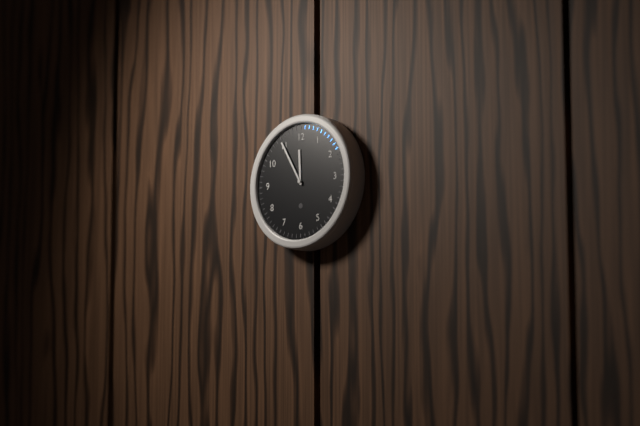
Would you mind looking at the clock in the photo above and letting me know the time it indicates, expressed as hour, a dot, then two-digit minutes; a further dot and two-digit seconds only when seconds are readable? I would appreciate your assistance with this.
11.55
